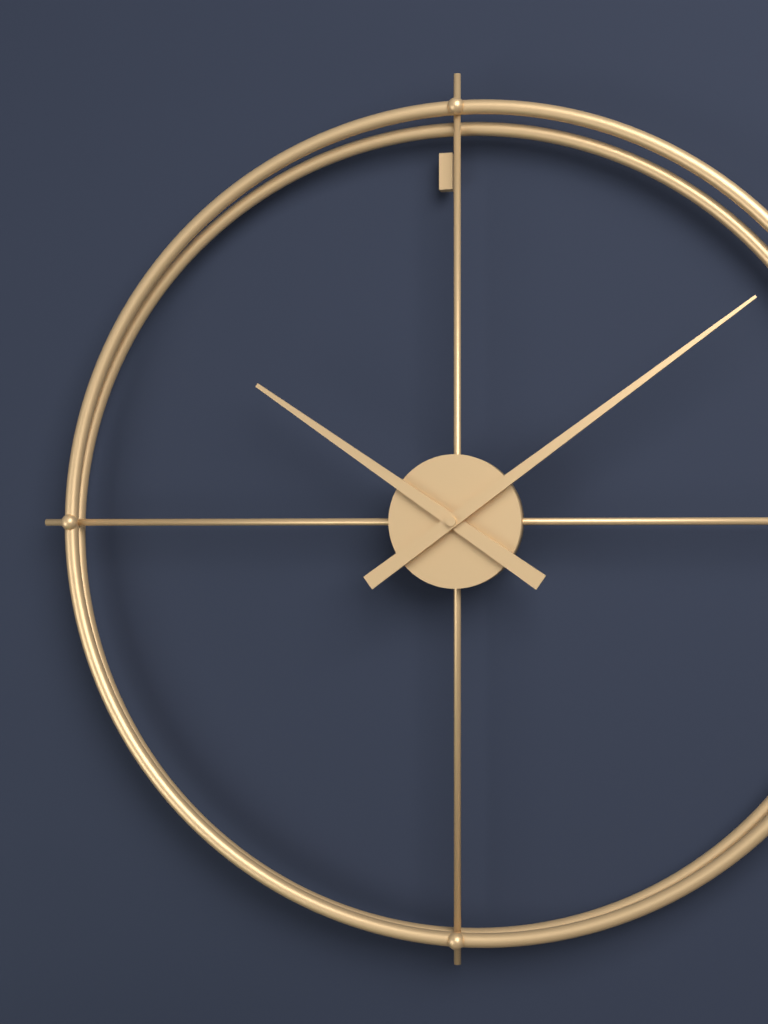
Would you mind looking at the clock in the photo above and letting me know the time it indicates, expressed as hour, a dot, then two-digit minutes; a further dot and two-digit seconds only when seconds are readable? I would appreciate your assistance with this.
10.09
